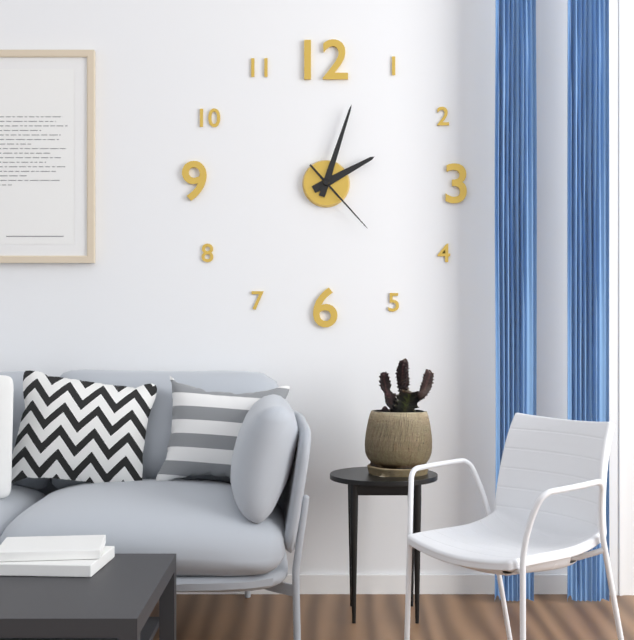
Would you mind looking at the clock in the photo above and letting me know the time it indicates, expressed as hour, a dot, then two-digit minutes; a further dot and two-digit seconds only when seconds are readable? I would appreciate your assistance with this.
2.03.23
